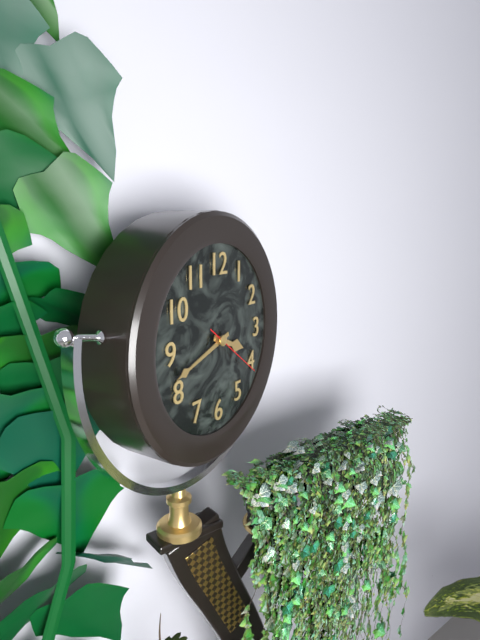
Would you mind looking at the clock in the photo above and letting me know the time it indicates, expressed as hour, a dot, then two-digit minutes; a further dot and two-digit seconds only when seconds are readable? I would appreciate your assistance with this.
3.42.21
